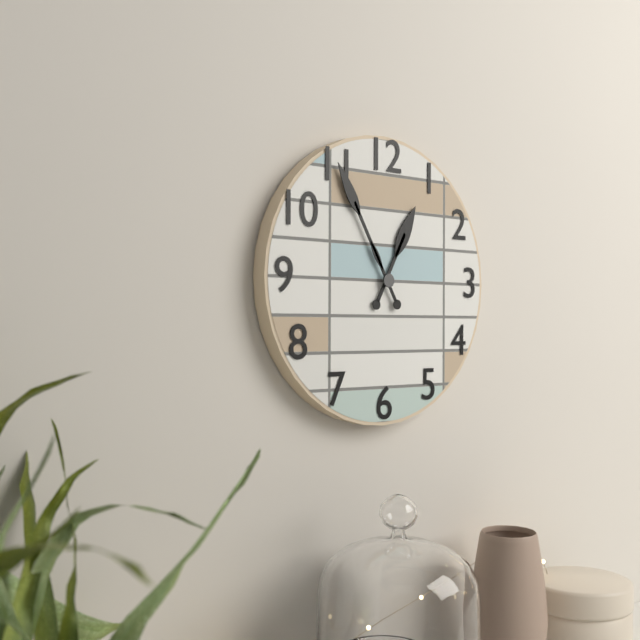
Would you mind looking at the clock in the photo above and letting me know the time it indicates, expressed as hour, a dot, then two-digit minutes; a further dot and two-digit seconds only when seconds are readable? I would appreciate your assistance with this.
12.55
